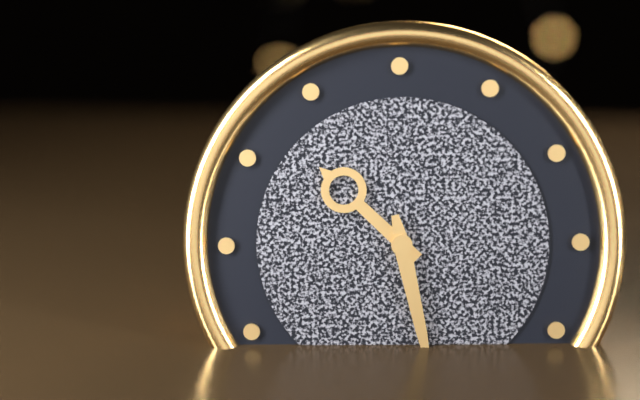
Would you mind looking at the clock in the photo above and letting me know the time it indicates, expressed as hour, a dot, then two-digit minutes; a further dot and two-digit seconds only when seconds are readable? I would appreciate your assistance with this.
10.28
